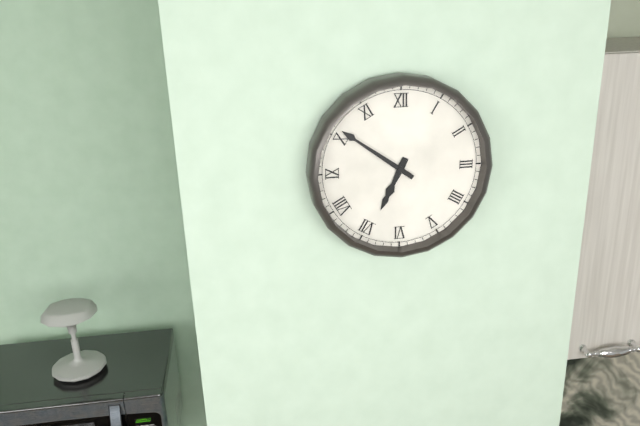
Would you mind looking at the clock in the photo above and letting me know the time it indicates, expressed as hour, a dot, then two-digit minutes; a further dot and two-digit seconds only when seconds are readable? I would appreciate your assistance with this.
6.51
